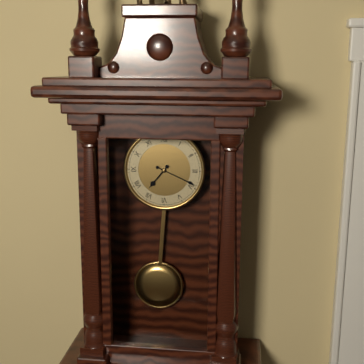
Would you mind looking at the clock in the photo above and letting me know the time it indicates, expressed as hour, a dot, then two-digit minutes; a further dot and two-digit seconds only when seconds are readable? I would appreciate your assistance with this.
7.19
